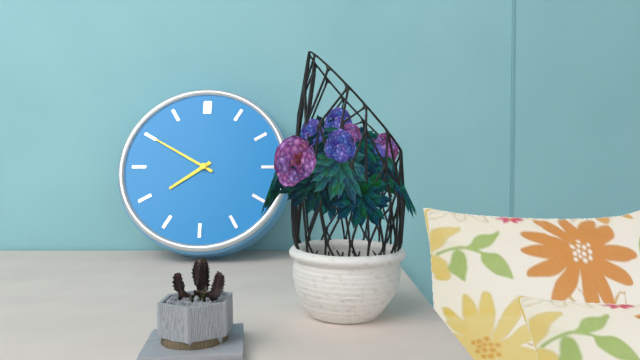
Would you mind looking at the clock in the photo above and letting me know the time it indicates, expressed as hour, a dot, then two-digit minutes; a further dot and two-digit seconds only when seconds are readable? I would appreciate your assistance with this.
7.50
